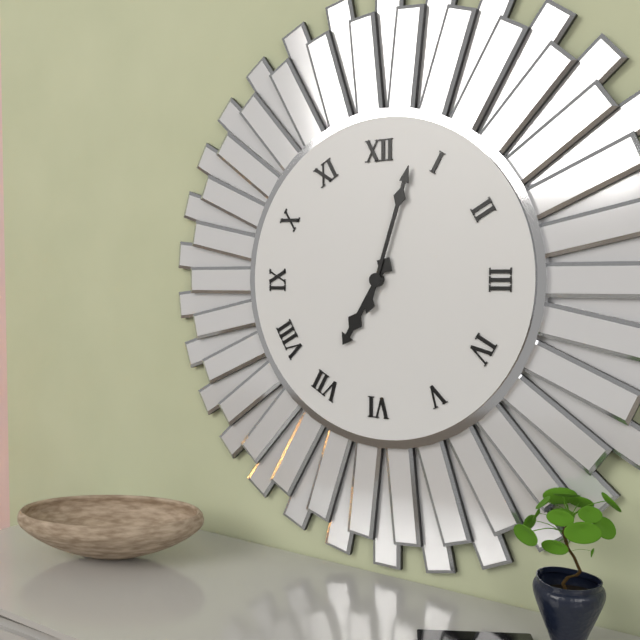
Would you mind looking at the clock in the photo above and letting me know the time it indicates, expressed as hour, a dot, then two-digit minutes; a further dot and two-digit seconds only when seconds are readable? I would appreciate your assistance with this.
7.03
